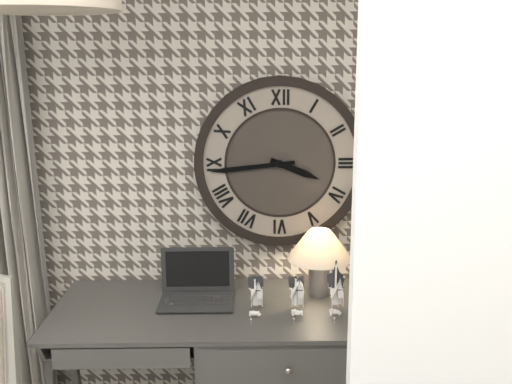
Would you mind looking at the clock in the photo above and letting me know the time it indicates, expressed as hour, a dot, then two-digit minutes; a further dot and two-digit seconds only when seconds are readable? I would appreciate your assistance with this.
3.44
